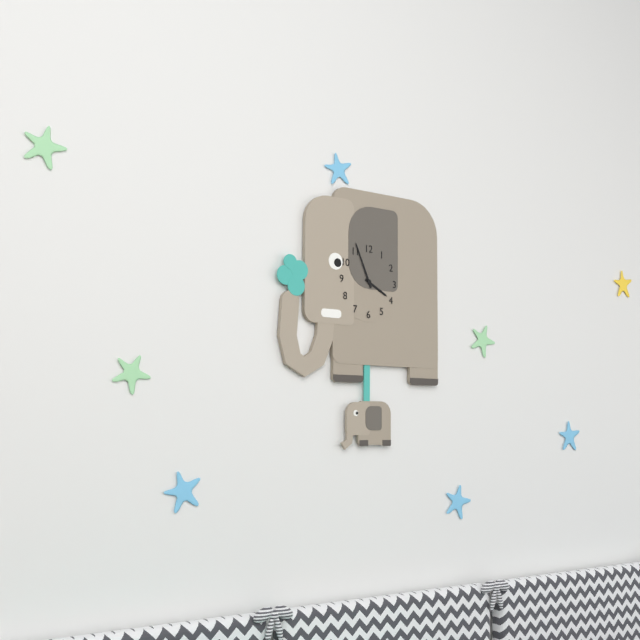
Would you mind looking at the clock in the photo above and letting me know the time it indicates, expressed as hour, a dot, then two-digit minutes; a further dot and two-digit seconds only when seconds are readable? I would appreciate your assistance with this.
3.56
